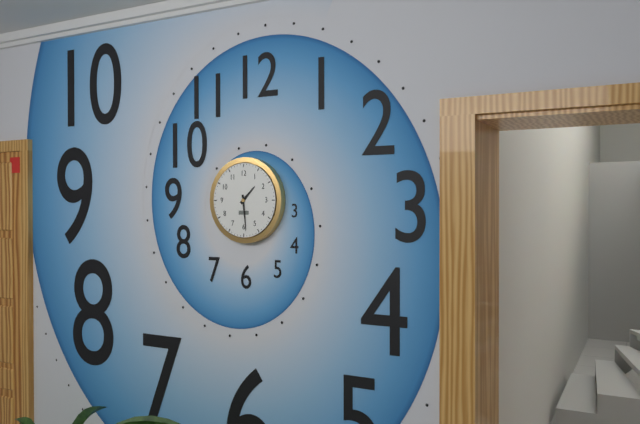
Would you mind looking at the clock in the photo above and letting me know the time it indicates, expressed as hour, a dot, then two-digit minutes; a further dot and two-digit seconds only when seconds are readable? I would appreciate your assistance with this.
1.29
